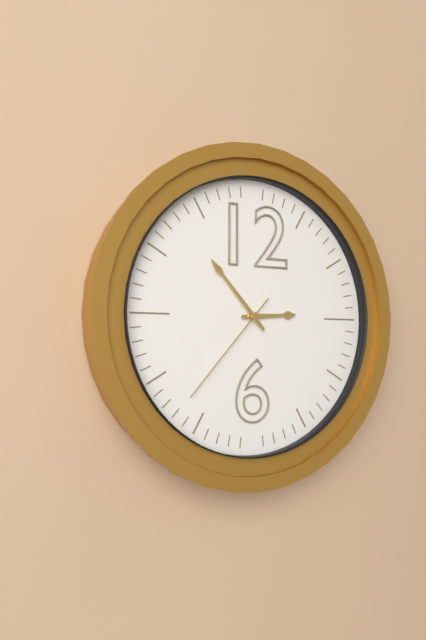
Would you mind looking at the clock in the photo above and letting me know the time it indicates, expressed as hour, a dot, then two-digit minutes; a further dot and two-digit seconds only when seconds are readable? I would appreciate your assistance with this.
2.53.37
